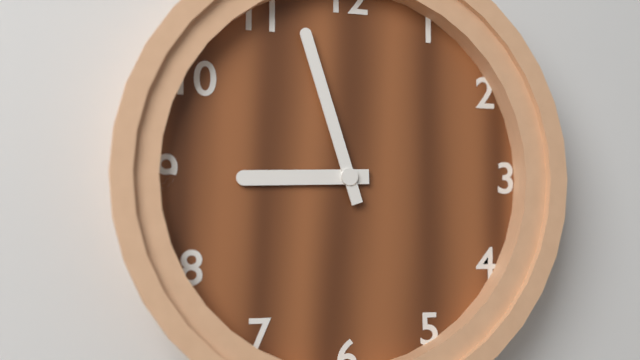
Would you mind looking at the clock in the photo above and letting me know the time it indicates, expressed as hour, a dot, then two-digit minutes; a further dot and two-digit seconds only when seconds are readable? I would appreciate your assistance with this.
8.57
